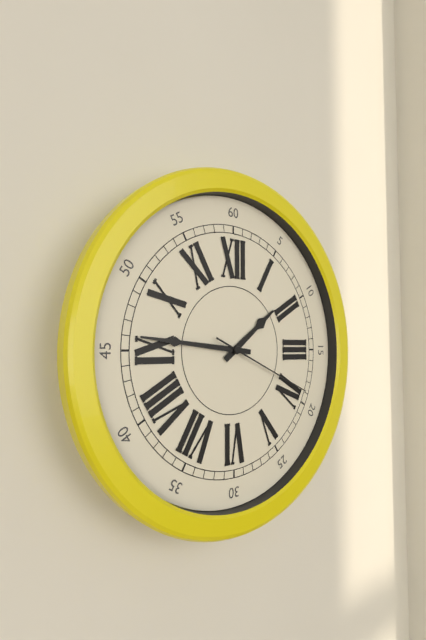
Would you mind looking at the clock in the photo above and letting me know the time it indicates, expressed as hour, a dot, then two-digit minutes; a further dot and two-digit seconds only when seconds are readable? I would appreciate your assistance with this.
1.46.19
